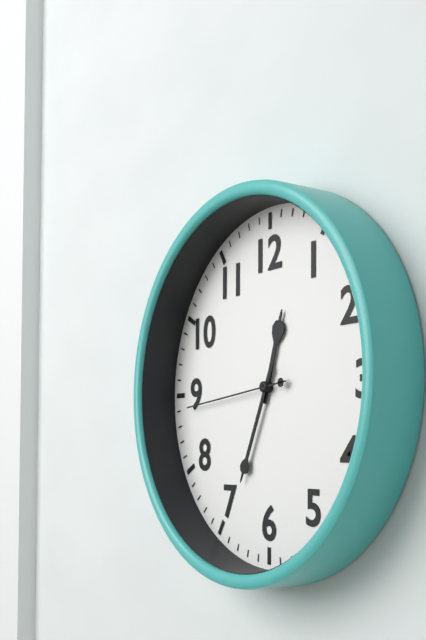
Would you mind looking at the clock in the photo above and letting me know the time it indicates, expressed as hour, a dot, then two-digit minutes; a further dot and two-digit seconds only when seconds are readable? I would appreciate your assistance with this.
12.34.44
